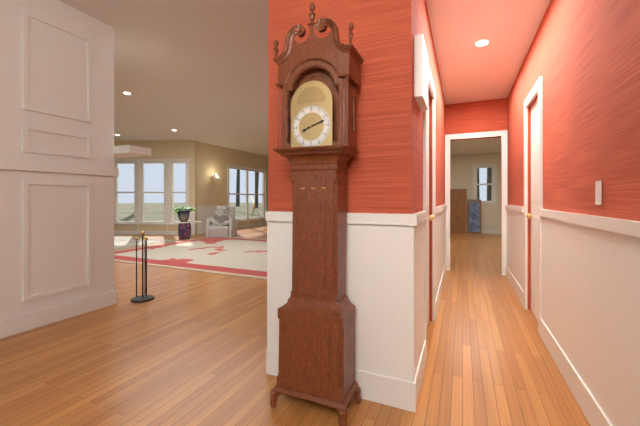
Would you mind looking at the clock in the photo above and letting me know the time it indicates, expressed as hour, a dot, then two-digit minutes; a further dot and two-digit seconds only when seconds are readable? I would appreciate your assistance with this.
8.12
